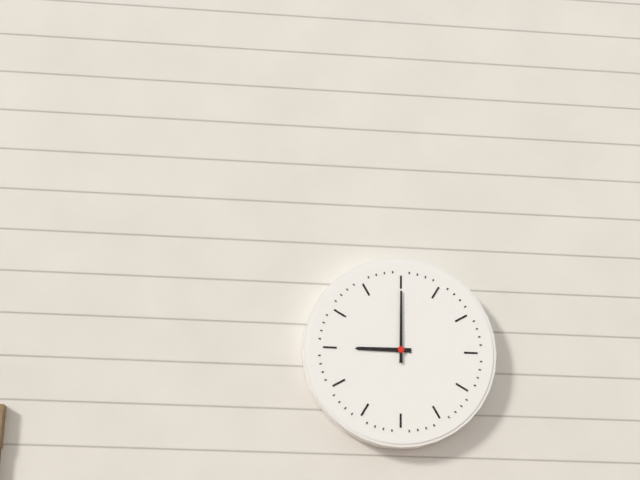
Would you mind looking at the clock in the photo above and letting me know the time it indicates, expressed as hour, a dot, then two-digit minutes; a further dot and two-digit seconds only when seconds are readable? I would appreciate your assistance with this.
9.00
